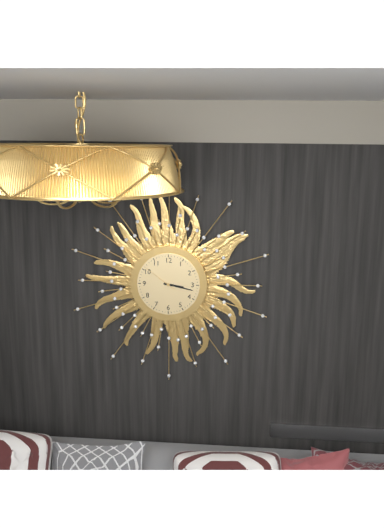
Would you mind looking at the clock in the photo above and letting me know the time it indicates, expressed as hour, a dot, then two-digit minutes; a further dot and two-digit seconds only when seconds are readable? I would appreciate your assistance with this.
3.17
